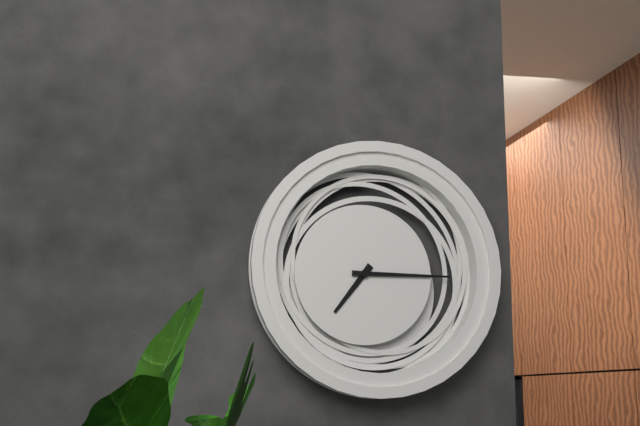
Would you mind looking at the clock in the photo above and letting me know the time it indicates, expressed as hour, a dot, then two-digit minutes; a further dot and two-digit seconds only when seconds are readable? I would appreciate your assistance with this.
7.15
